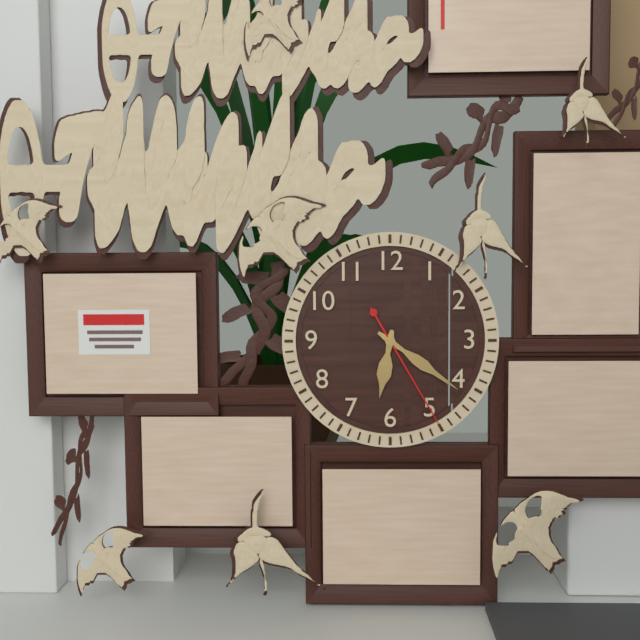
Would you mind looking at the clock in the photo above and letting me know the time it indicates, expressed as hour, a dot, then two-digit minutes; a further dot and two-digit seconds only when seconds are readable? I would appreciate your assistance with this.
6.21.25
